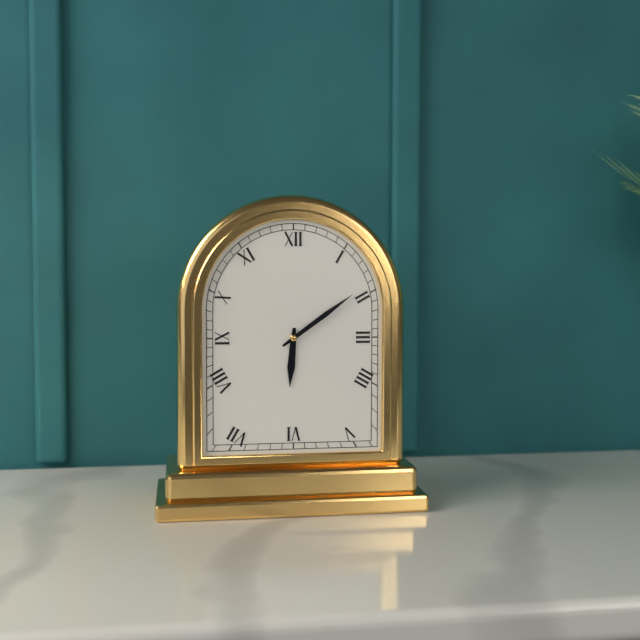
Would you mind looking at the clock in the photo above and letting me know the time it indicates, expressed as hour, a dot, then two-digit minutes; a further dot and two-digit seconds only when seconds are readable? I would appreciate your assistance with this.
6.09
